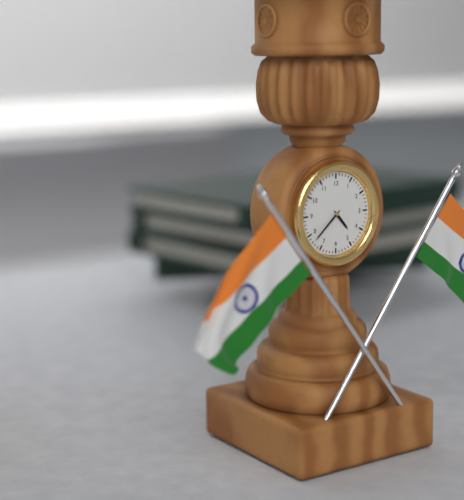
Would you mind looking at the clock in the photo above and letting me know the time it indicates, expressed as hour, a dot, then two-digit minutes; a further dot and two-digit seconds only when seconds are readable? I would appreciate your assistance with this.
4.38
